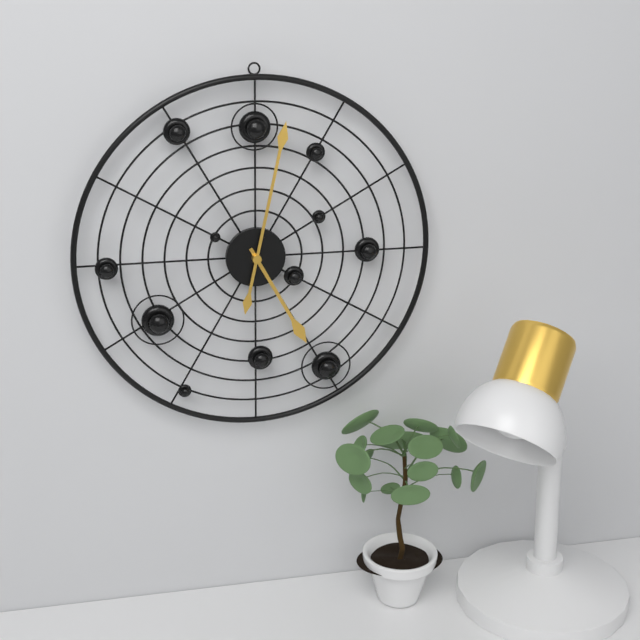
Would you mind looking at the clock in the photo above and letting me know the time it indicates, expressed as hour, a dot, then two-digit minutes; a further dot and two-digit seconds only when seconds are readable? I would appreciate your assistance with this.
5.02
